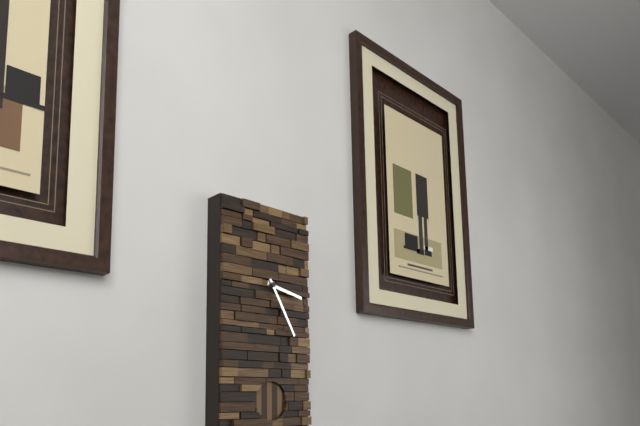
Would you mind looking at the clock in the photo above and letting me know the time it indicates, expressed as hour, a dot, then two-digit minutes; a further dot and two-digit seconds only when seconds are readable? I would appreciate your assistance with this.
3.25
